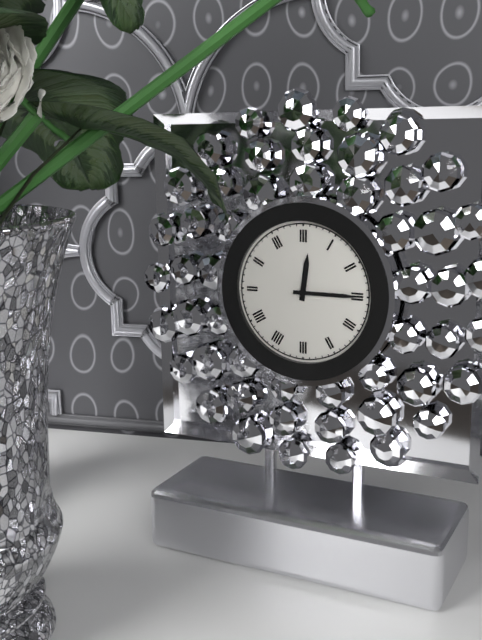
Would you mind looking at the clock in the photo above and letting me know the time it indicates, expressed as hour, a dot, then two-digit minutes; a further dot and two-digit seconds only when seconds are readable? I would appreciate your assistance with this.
12.15
